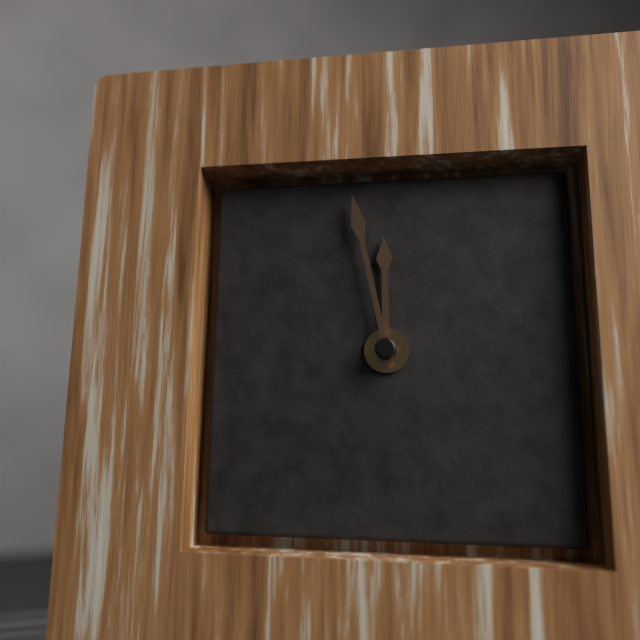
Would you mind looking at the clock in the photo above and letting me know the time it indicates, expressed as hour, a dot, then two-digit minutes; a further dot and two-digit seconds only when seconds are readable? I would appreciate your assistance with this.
11.58
